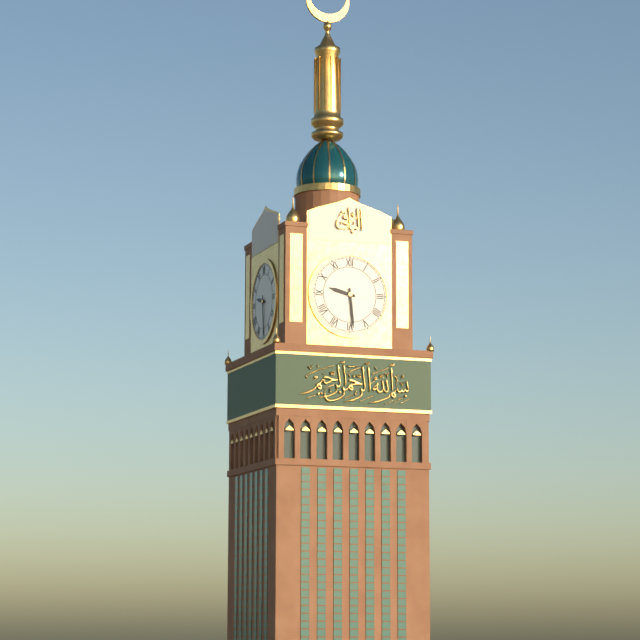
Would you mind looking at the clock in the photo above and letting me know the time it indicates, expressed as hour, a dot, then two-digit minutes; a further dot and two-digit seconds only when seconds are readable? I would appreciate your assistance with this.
9.29
